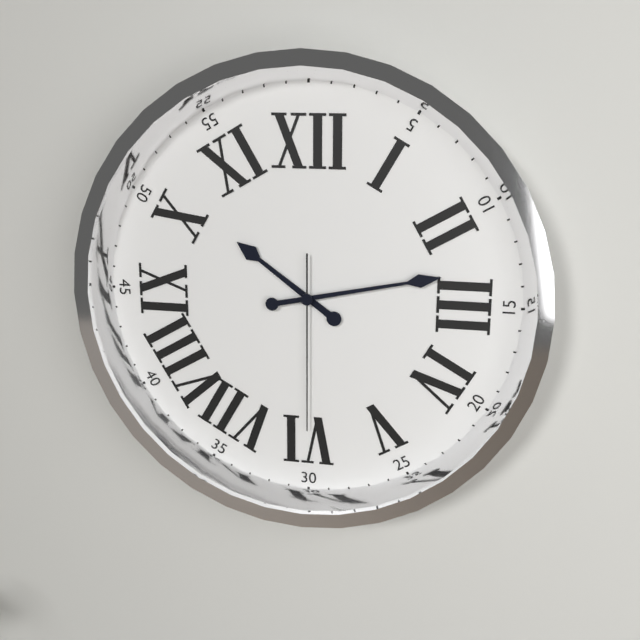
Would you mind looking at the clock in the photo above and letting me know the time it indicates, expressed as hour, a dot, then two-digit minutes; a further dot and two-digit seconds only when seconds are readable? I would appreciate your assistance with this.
10.13.30
